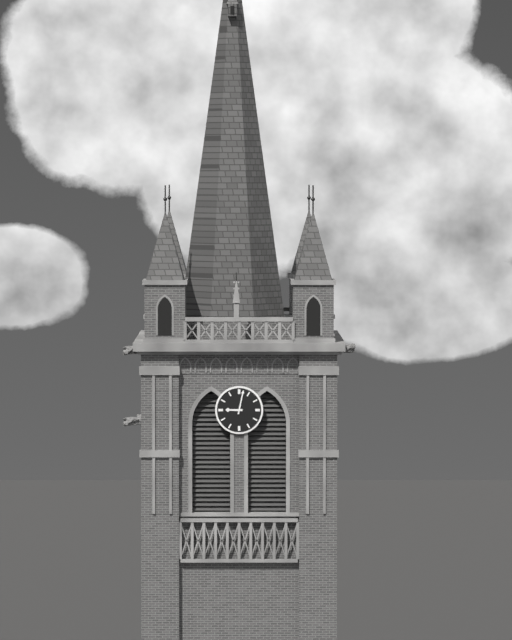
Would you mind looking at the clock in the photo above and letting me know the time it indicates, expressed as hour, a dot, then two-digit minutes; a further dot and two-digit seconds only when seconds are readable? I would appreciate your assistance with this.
9.02
